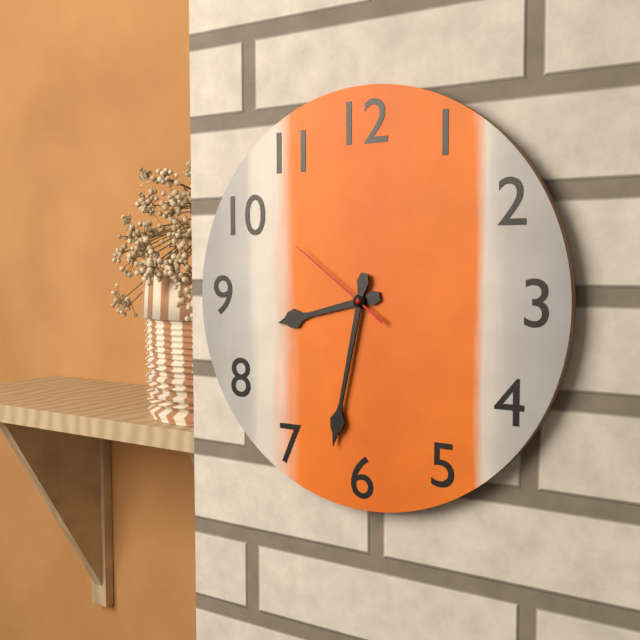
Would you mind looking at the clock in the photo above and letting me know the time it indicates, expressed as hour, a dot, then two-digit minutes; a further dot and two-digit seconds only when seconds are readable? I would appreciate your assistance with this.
8.32.51
